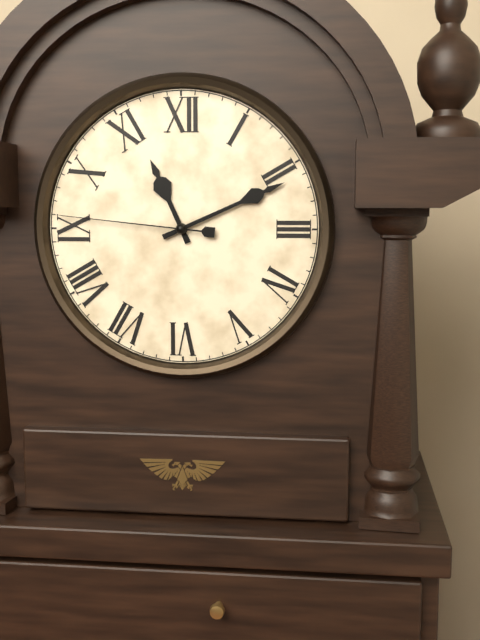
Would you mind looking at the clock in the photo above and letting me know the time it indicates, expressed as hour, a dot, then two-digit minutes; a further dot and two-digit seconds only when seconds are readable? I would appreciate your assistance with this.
11.11.46
